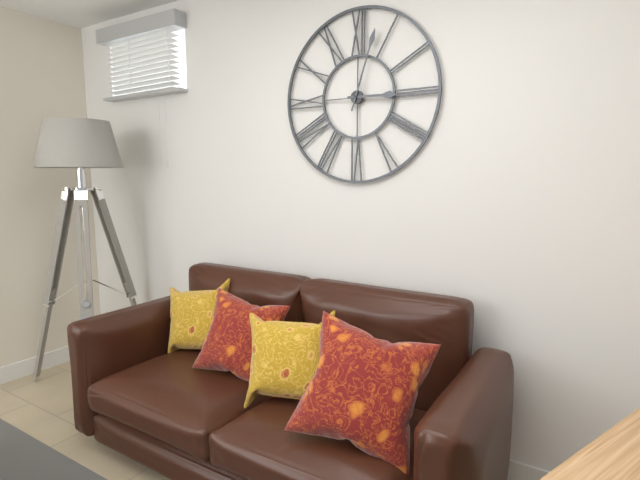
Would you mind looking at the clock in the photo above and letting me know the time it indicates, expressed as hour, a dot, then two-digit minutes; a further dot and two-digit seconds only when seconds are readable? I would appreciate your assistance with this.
3.03
